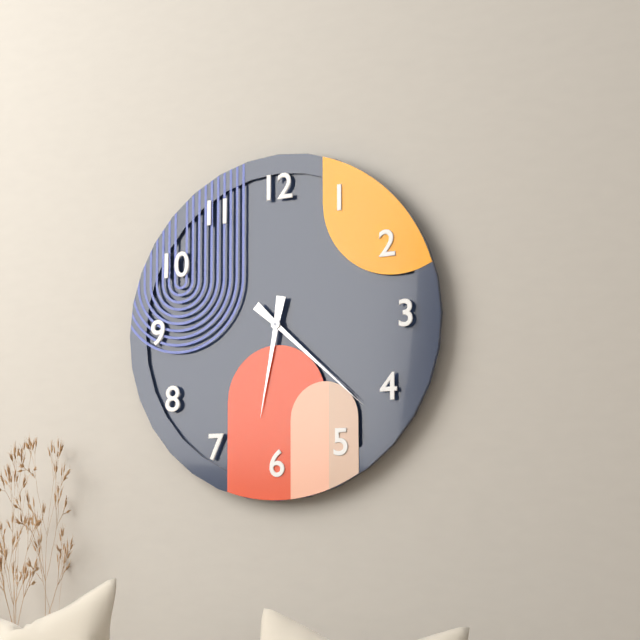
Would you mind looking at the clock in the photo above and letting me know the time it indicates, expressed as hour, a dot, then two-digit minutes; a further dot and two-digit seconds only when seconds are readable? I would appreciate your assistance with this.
6.22
